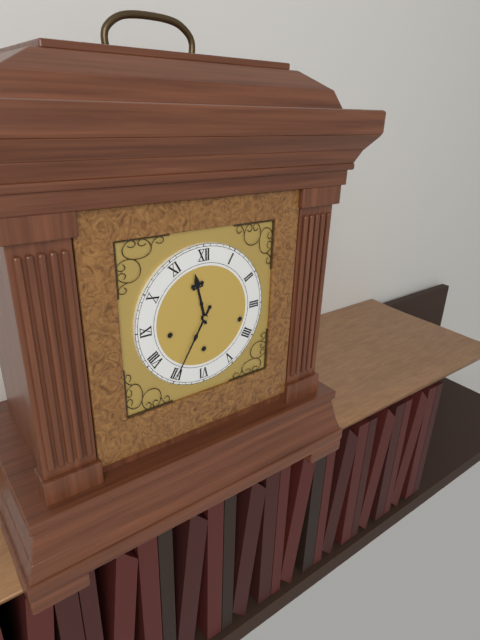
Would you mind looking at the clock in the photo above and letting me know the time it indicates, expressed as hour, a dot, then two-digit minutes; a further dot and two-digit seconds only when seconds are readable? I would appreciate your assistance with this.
11.35
